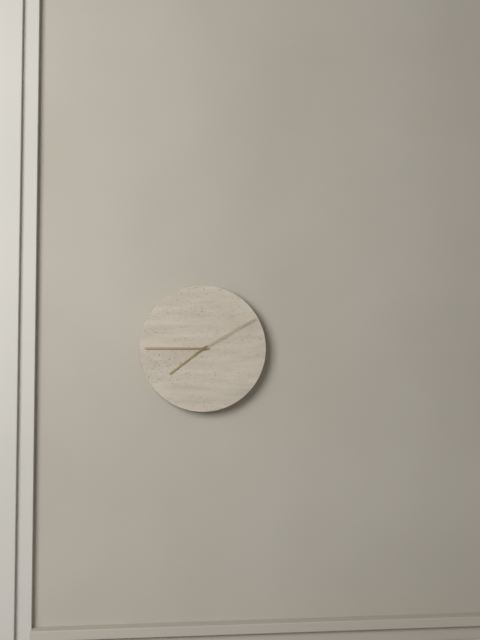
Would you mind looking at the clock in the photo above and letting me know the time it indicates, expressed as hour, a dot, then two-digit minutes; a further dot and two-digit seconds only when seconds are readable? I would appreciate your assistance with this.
7.45.10
